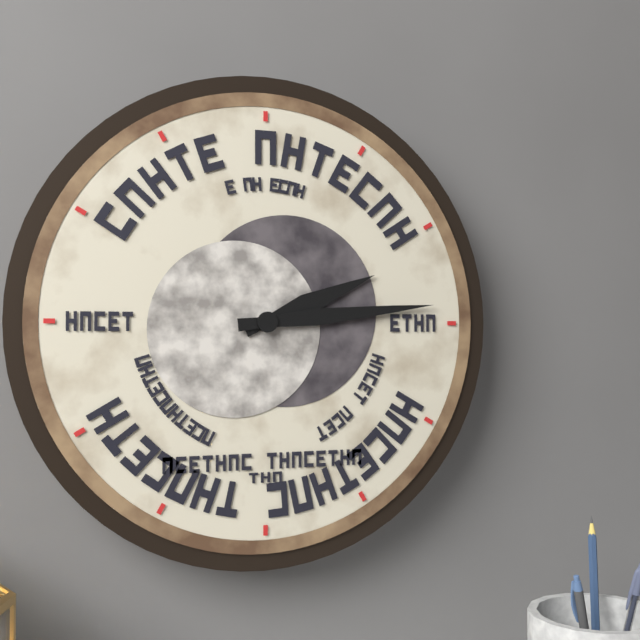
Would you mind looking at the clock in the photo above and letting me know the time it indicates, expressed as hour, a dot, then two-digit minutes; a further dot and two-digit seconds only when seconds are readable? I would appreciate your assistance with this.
2.14
